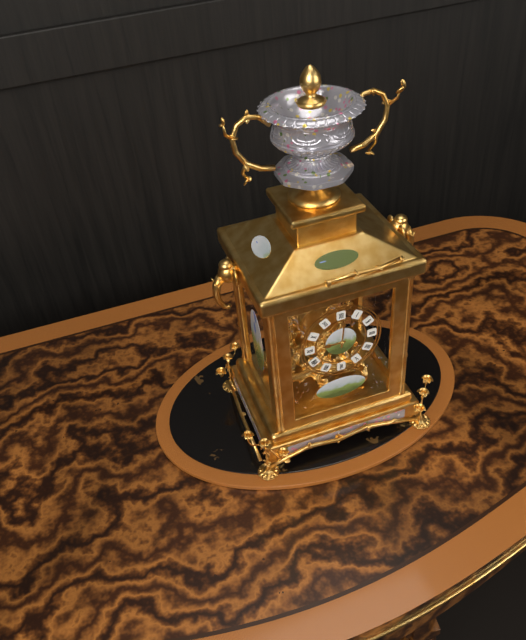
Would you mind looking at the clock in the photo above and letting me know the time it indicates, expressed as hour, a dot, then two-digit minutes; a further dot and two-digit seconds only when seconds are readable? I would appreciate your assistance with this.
9.01
